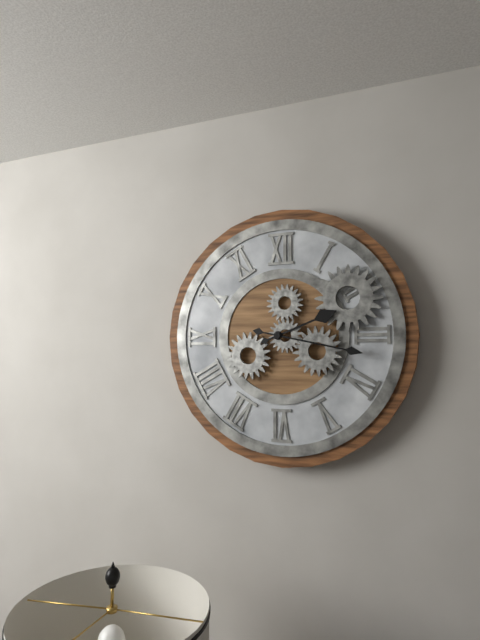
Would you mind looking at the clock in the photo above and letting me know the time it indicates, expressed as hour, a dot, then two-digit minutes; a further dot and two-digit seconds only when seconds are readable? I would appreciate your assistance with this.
2.17
